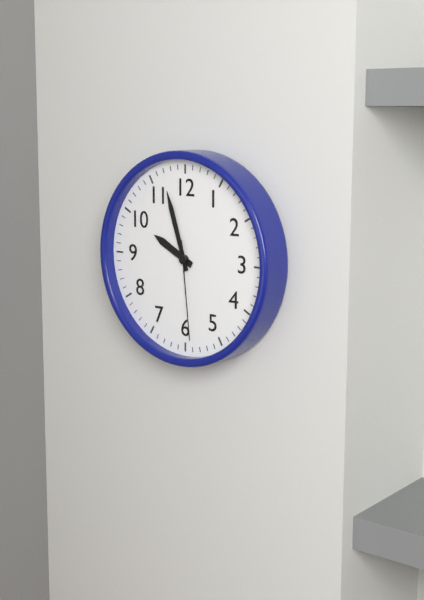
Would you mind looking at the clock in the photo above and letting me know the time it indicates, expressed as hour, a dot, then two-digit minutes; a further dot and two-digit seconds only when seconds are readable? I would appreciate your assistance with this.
9.57.29
